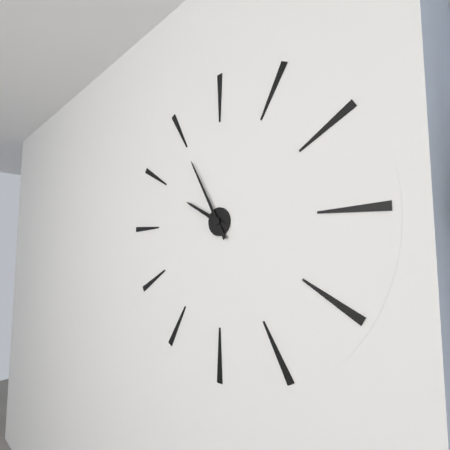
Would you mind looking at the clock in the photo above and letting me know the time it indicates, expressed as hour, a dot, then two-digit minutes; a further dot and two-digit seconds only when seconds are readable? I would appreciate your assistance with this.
9.55
